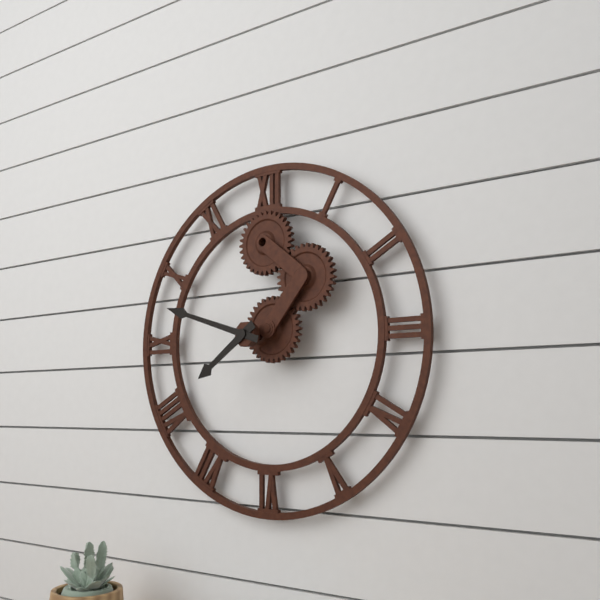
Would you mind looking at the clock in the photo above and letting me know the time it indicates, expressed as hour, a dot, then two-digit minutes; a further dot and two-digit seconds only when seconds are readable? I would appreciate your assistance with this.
7.48
